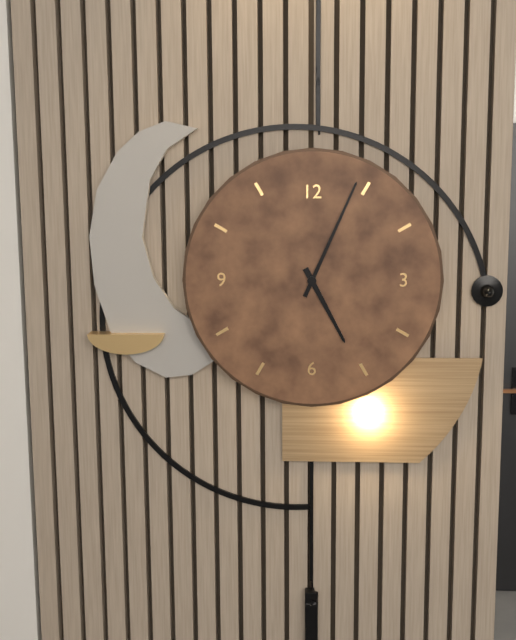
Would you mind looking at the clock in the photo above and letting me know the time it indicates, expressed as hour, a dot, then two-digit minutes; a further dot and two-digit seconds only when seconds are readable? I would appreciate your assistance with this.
5.04
